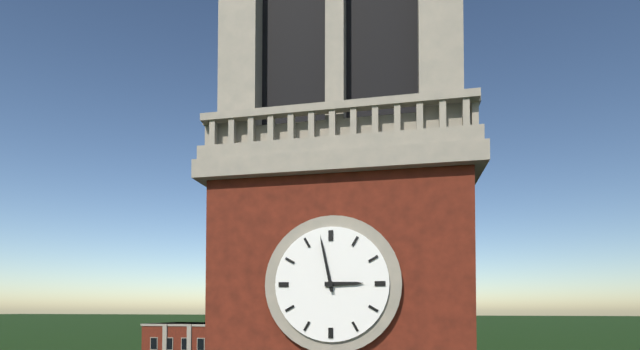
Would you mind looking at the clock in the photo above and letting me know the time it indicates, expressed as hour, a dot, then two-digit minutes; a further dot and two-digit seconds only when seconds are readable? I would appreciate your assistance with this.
2.58
